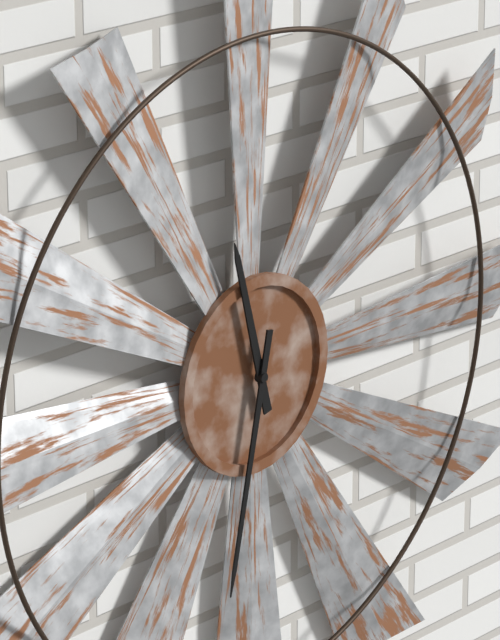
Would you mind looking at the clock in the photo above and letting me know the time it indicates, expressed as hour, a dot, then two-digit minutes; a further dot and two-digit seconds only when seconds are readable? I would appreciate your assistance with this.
11.32
